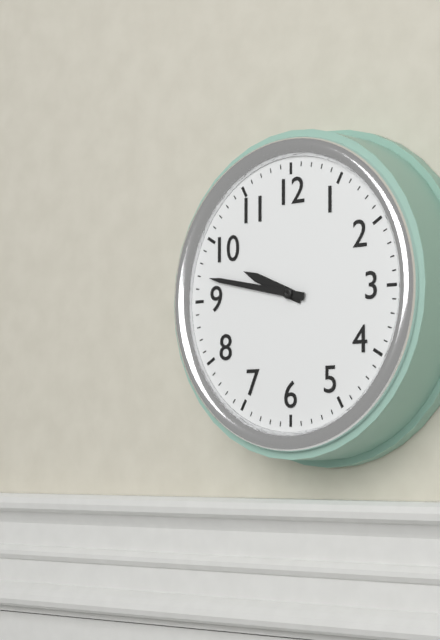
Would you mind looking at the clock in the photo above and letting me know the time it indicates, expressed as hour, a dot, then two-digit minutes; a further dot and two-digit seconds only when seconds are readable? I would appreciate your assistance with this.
9.47
